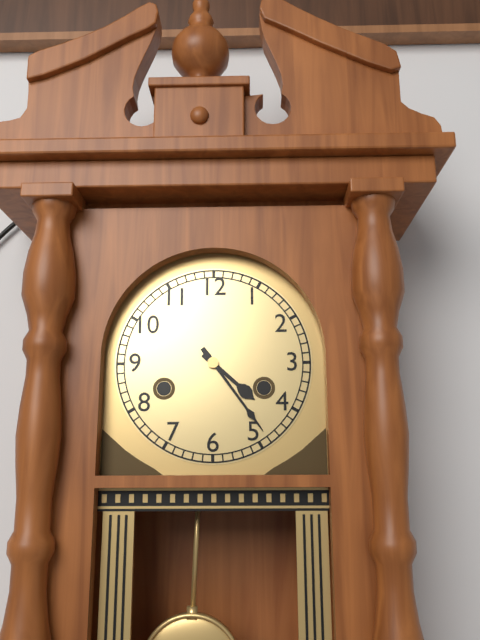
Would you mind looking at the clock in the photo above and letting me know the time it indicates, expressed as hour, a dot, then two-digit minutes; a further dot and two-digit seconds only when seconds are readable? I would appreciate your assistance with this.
4.24
